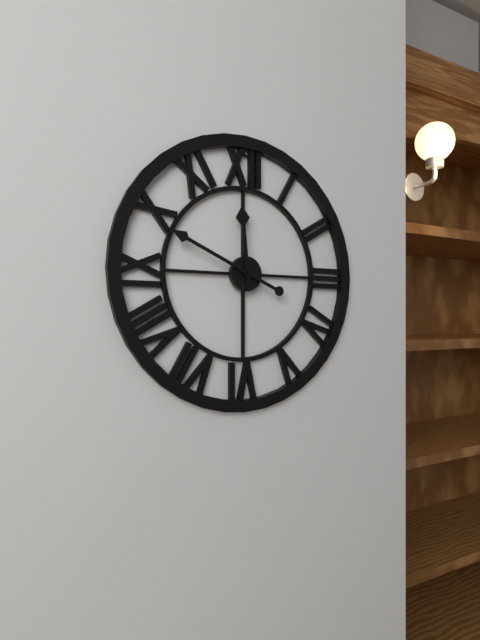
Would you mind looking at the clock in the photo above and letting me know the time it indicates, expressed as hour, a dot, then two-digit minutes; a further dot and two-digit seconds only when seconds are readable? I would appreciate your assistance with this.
11.49
